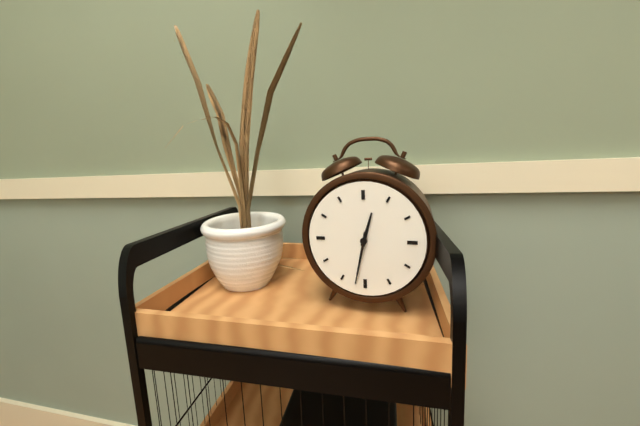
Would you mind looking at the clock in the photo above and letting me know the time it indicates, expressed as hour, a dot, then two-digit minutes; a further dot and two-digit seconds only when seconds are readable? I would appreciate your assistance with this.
12.32
